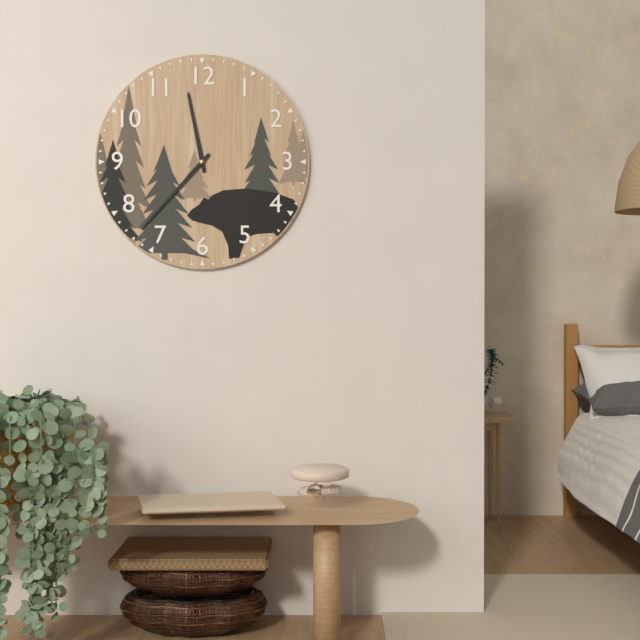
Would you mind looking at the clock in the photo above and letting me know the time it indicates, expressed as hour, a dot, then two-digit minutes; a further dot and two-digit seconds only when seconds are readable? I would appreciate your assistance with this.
11.37
